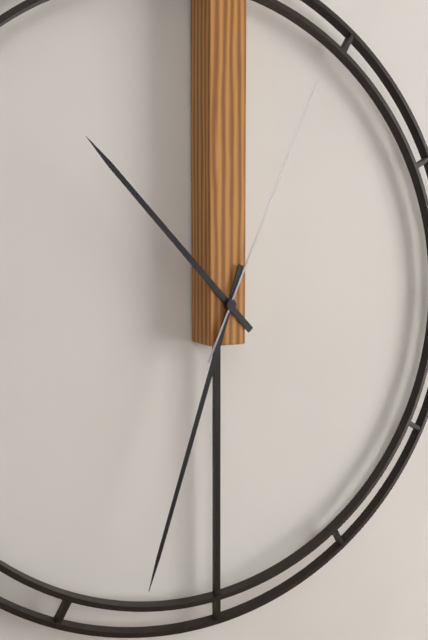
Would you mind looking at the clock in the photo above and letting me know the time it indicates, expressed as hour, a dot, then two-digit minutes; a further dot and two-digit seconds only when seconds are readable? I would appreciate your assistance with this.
10.33.04
